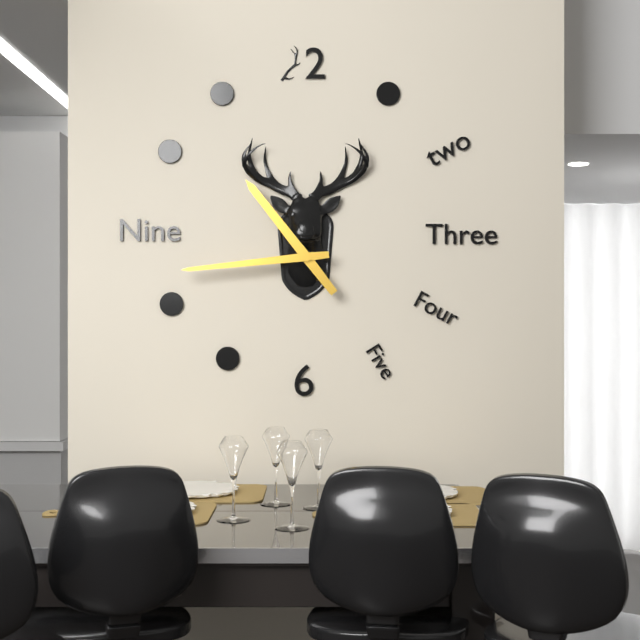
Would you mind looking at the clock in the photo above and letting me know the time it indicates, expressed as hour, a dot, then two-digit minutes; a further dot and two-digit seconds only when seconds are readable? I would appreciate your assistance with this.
10.44
